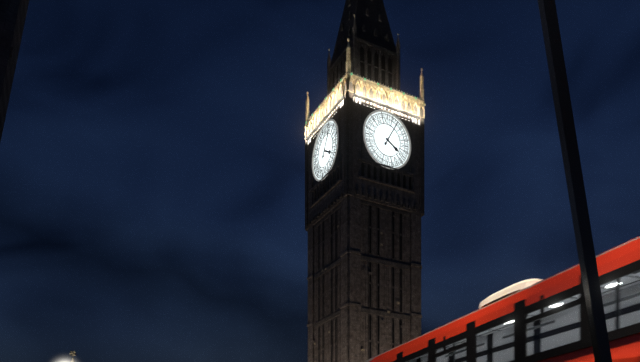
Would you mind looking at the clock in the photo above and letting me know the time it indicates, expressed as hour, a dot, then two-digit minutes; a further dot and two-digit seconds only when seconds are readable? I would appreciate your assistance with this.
4.05
